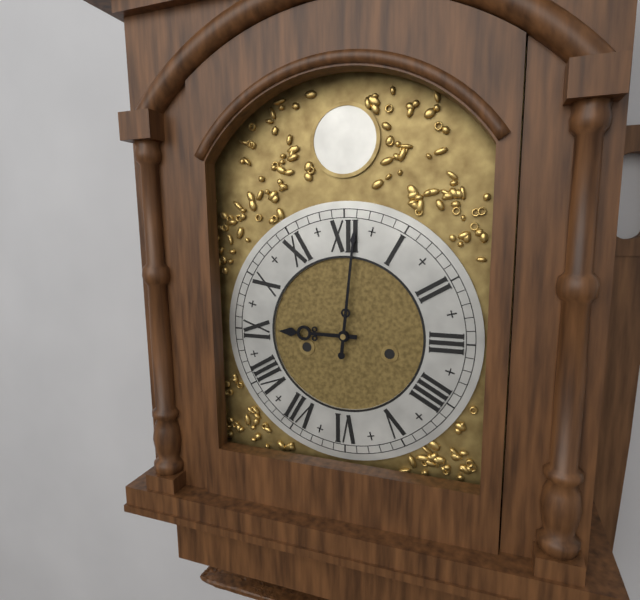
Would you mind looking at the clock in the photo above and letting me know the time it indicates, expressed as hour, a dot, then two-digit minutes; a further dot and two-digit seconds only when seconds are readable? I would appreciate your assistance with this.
9.01
